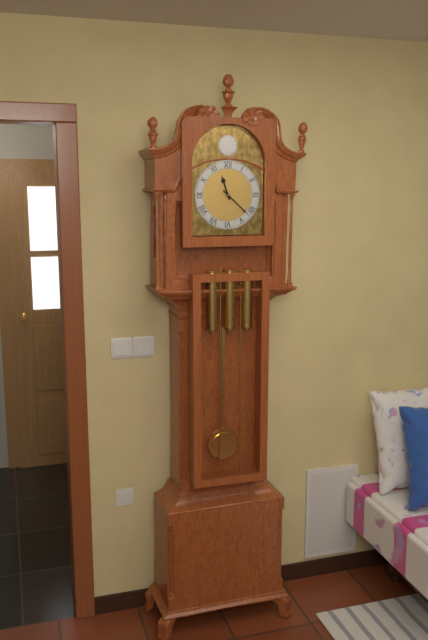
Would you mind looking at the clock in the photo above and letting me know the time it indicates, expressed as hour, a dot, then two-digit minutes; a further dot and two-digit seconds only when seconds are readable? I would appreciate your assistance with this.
11.22
